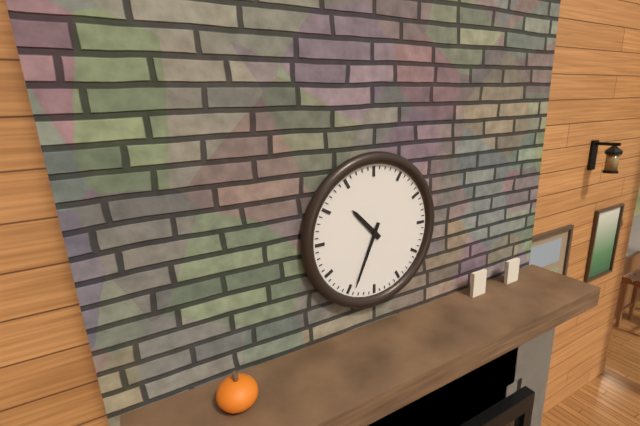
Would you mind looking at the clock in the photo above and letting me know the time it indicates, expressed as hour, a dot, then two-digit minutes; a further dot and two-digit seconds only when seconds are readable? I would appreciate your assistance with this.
10.34
